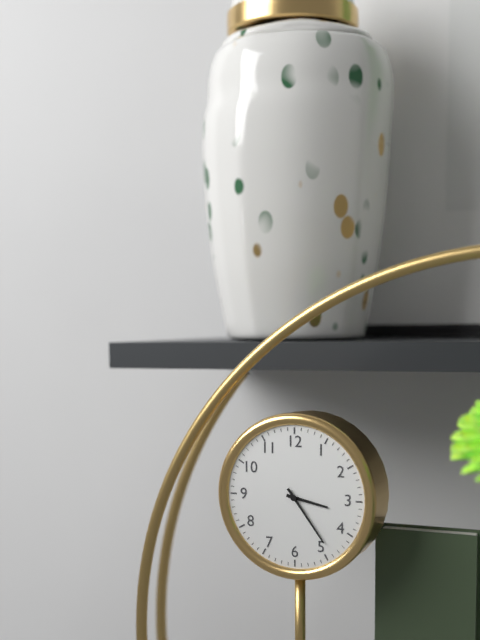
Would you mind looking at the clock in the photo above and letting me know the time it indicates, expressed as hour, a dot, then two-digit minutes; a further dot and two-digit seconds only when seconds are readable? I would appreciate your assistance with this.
3.24
